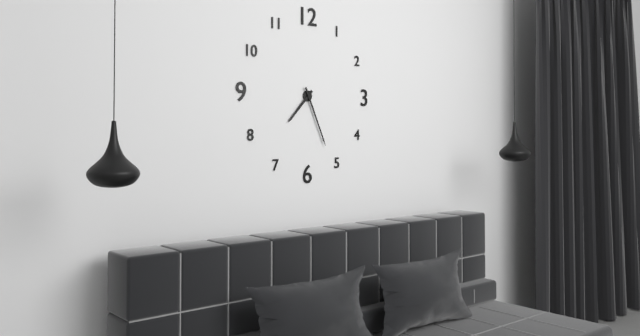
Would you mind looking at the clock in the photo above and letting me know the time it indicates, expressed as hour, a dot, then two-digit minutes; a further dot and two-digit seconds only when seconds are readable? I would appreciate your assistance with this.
7.26
